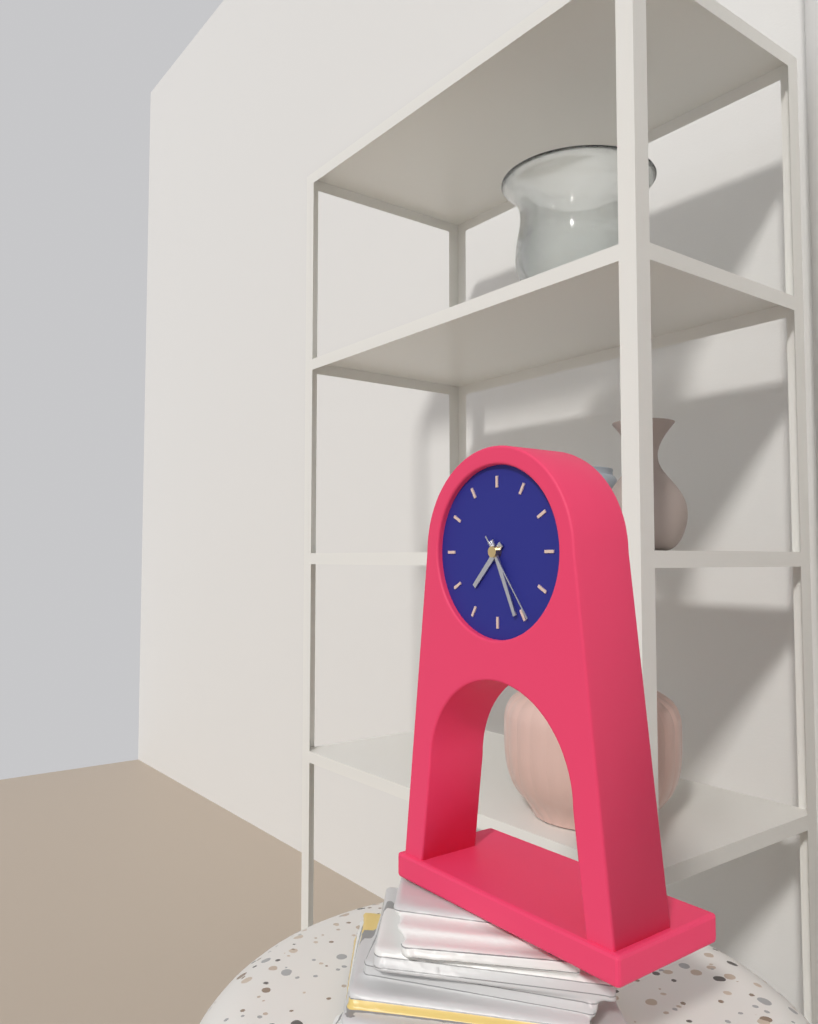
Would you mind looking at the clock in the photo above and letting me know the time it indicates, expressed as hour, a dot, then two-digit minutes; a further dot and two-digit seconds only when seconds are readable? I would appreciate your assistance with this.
7.26.24
